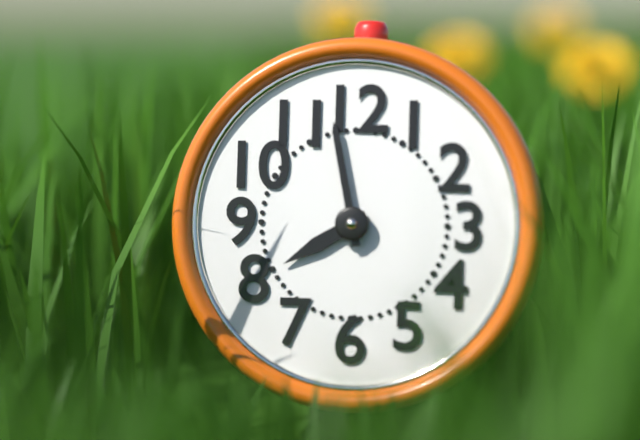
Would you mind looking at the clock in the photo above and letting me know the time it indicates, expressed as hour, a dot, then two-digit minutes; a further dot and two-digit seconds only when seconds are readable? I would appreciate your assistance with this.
7.58
